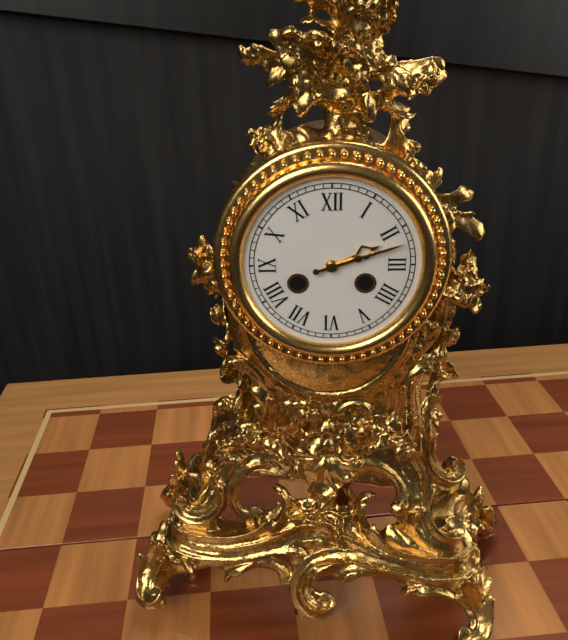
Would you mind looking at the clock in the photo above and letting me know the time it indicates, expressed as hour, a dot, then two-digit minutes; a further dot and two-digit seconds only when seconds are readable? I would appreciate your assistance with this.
2.12
